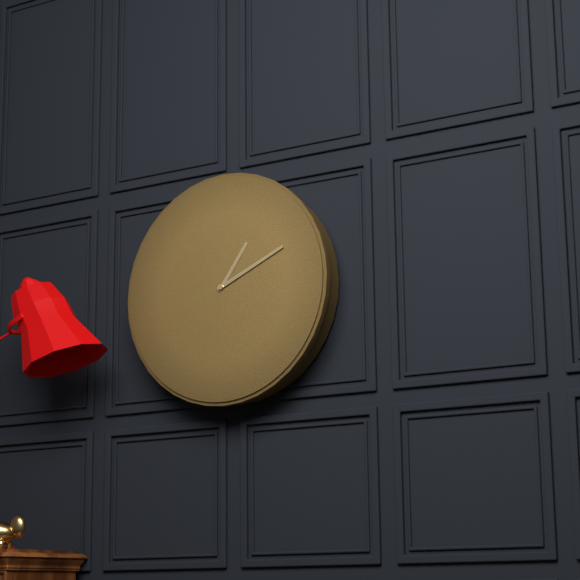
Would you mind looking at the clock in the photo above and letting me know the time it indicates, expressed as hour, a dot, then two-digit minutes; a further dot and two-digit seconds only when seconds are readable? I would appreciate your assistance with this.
1.11
